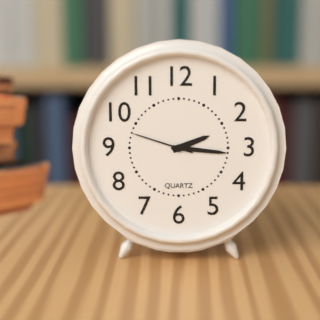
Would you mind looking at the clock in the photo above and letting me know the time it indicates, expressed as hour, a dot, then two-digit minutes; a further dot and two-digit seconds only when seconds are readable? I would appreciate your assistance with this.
2.16.48
